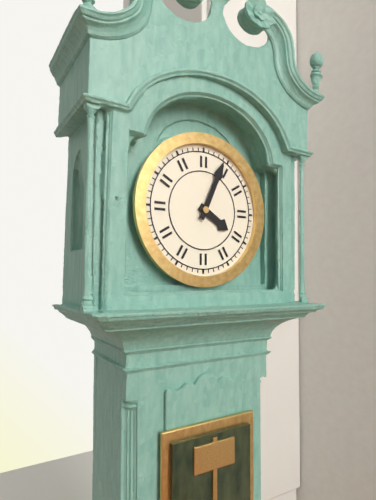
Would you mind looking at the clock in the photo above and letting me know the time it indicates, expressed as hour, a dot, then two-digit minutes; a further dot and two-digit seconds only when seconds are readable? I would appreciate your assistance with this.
4.04
